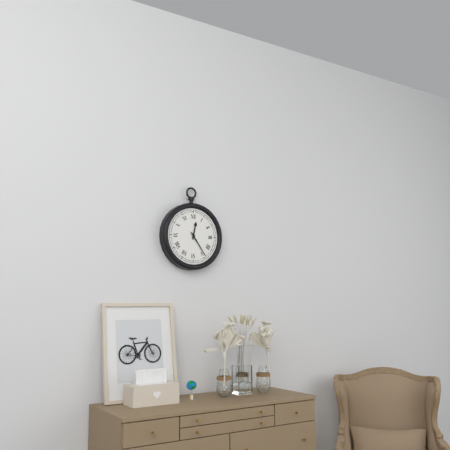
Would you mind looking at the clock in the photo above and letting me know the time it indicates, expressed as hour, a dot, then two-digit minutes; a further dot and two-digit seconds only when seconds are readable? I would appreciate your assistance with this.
12.24
